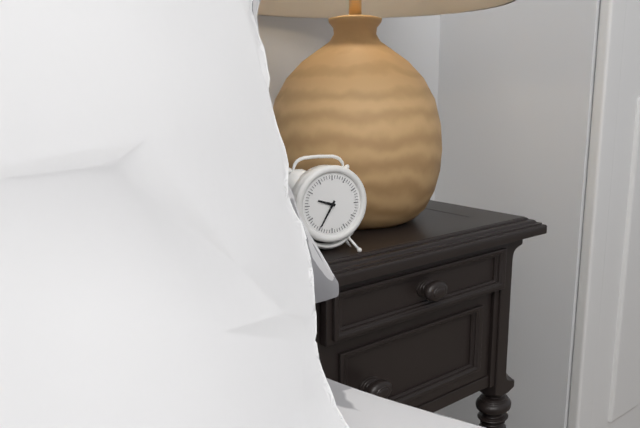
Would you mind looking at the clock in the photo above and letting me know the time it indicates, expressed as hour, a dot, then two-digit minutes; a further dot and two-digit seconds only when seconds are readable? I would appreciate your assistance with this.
9.35
